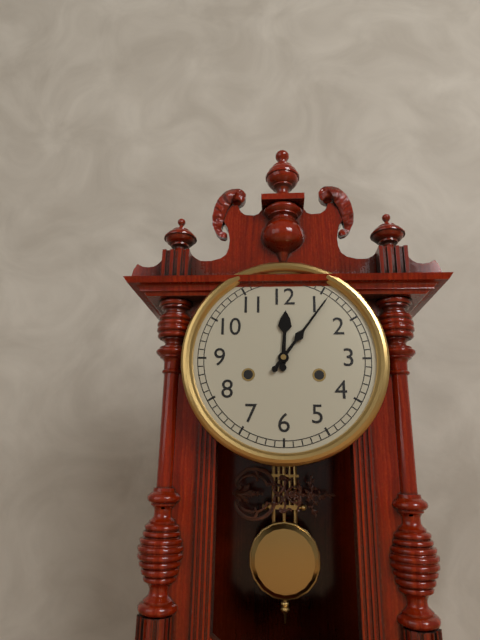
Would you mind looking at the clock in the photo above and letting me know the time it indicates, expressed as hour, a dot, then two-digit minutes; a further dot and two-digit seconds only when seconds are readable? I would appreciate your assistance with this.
12.06
